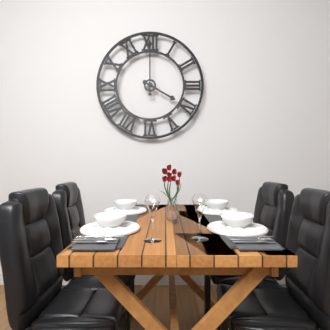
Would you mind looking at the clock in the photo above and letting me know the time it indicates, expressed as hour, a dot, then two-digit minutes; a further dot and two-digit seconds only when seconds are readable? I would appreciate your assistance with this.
4.00
